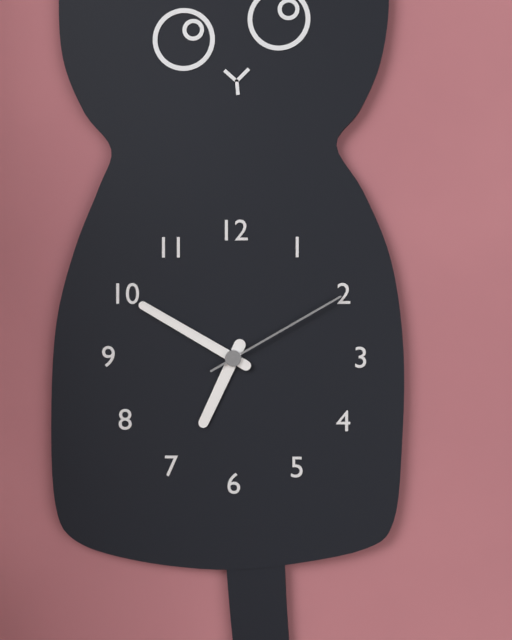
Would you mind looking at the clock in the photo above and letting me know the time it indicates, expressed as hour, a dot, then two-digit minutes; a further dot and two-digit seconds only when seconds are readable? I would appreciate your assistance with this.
6.50.10
